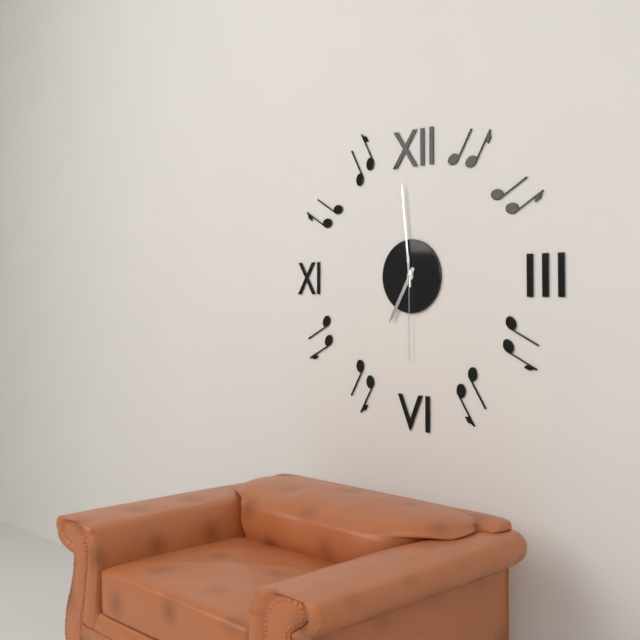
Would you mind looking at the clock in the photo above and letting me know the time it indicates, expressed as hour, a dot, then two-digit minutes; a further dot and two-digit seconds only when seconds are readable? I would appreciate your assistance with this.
6.59.30
